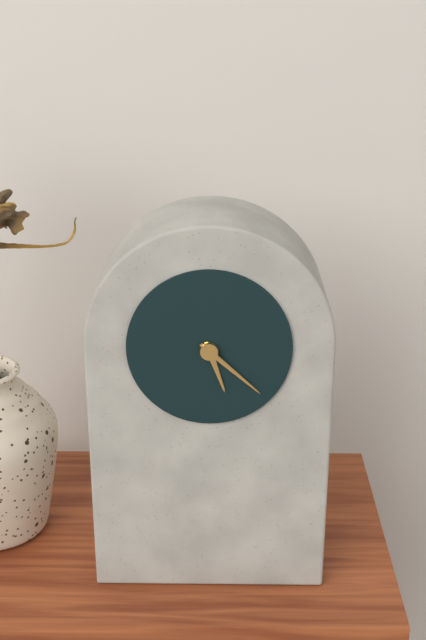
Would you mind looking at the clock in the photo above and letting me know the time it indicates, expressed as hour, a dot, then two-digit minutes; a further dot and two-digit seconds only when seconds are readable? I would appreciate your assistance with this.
5.22
